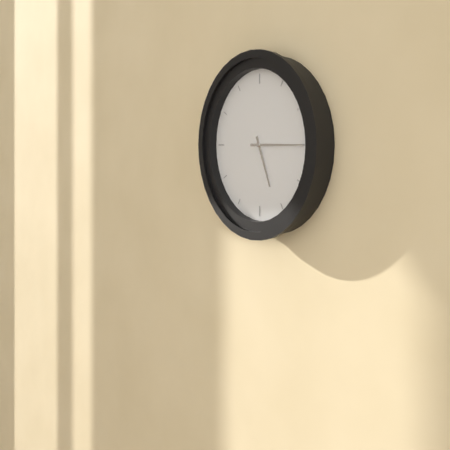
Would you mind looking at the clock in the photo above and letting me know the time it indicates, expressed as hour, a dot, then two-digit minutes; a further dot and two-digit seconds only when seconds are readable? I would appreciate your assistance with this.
5.15
